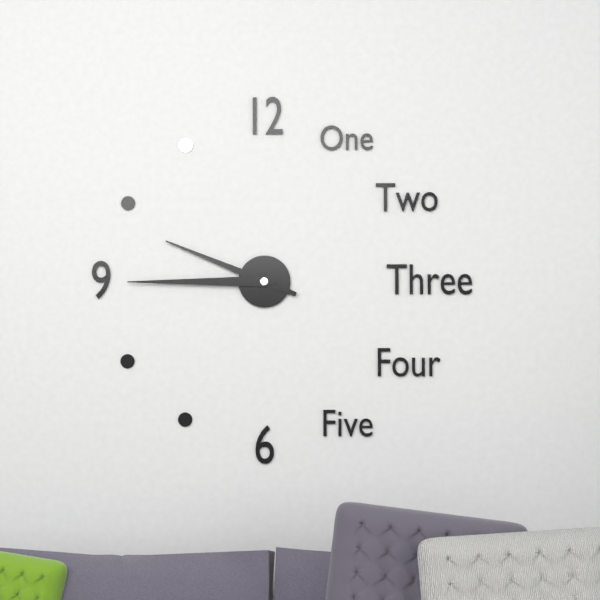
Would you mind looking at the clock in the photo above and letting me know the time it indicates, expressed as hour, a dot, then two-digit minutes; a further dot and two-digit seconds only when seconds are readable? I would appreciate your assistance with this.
9.45
